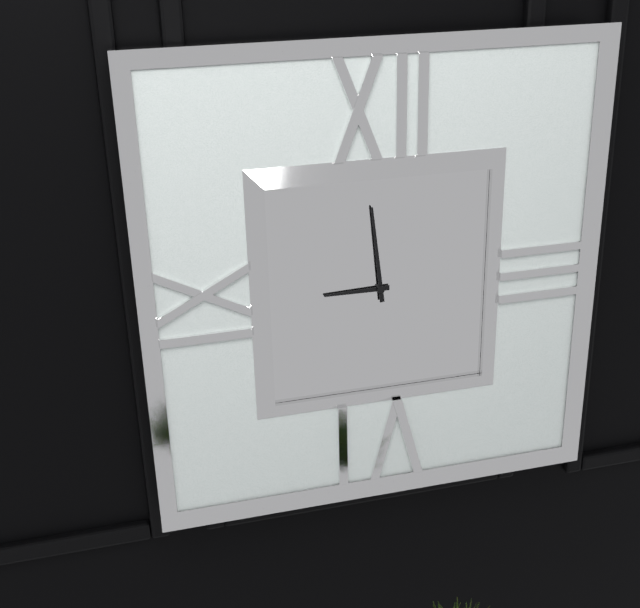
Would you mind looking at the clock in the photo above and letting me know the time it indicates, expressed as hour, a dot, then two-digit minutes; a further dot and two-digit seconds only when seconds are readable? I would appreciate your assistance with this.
8.59
